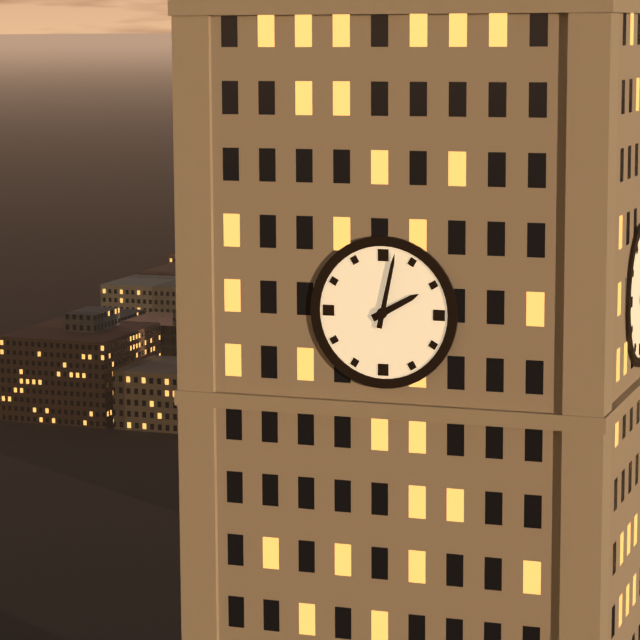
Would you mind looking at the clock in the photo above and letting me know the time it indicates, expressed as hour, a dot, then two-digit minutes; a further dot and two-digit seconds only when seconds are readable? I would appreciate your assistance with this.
2.02
